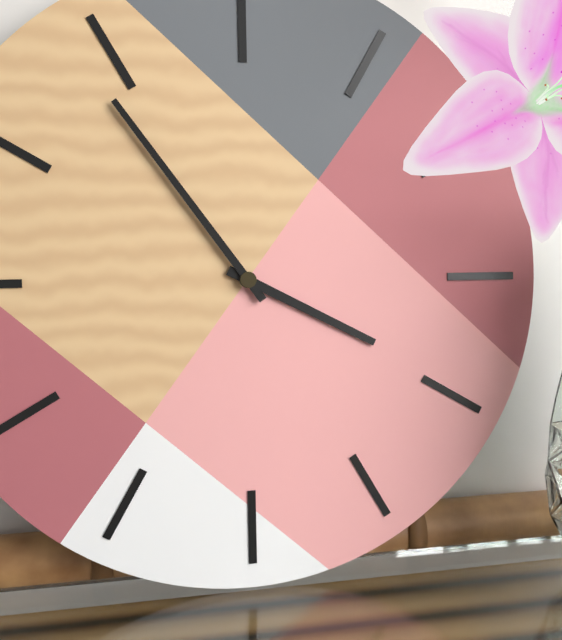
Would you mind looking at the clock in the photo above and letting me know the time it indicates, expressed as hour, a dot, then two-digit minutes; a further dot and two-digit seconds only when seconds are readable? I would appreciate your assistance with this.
3.54
